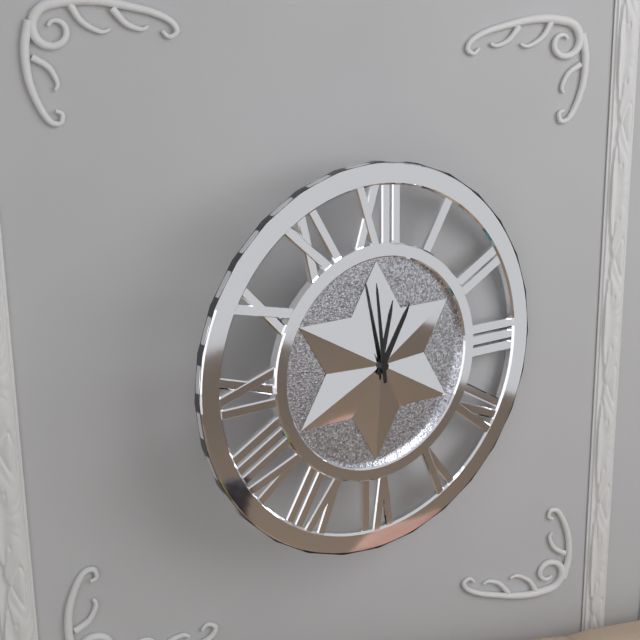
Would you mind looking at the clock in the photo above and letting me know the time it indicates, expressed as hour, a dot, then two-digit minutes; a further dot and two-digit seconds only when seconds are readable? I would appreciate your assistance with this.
12.59
